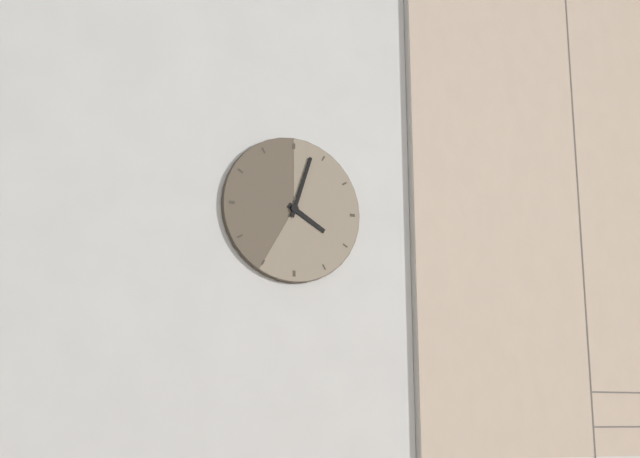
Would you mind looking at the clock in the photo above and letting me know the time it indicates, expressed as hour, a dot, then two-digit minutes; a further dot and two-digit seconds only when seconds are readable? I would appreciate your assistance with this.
4.03
